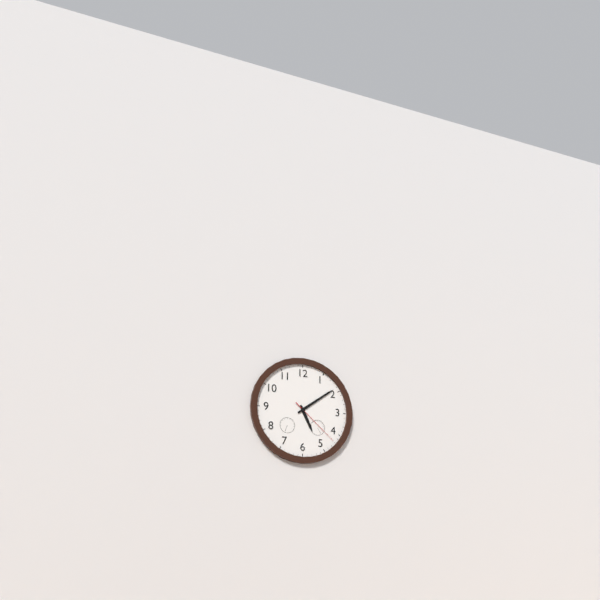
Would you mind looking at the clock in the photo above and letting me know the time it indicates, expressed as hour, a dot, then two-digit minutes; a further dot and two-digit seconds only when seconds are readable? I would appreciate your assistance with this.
5.09.22
